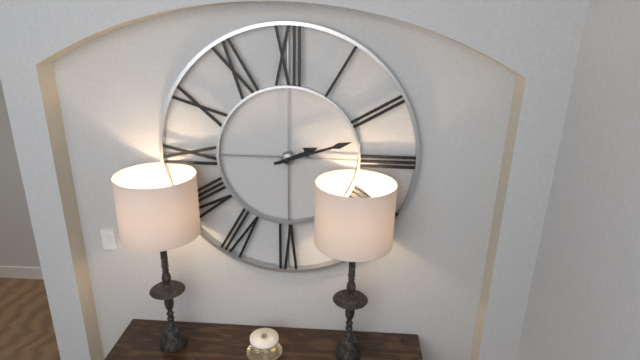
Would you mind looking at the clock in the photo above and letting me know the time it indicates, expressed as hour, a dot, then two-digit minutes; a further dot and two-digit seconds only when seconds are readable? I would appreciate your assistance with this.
2.12
